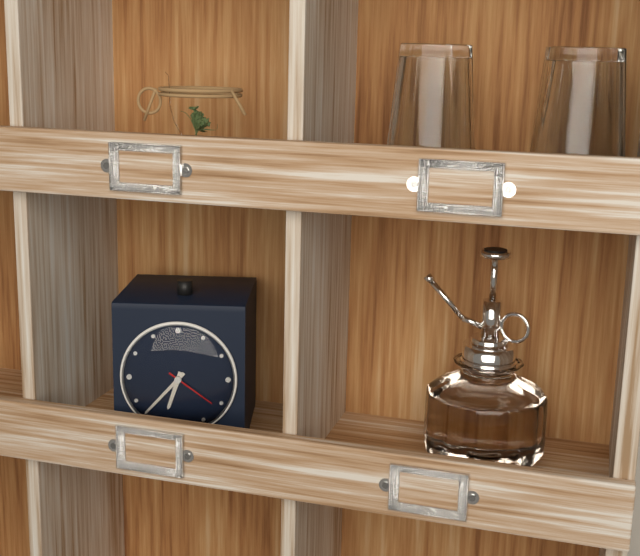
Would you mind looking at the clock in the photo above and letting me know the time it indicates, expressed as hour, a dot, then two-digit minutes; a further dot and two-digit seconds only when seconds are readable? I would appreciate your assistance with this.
6.37.21
